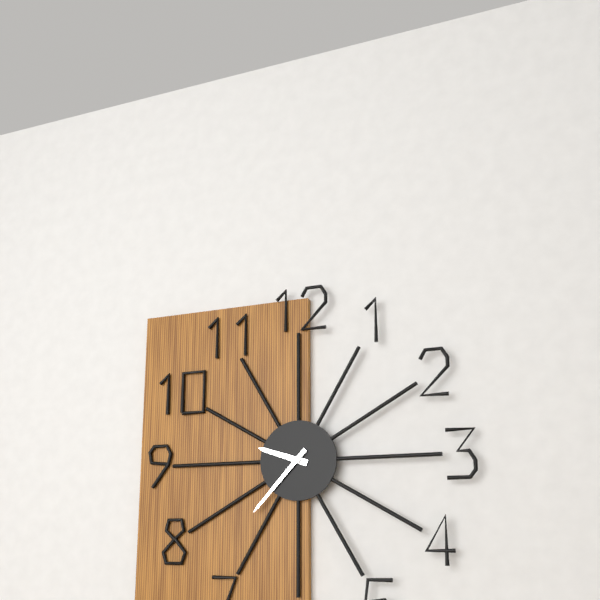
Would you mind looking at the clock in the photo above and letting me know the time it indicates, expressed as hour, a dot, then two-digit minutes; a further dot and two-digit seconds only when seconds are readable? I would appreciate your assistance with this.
9.37
